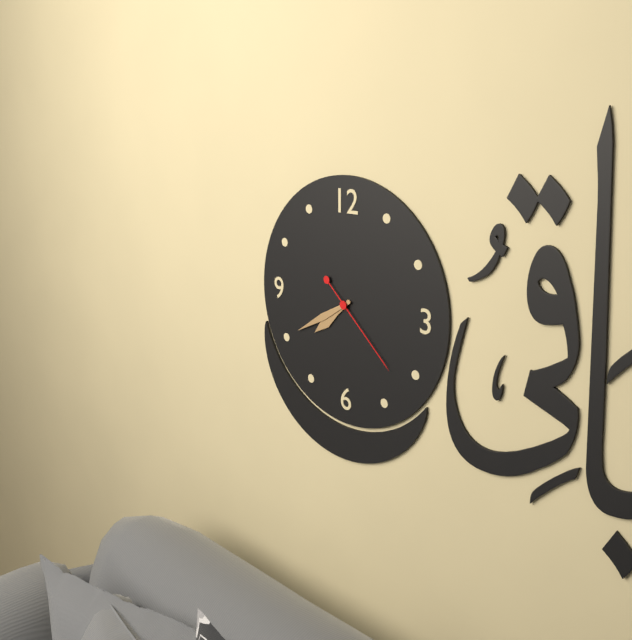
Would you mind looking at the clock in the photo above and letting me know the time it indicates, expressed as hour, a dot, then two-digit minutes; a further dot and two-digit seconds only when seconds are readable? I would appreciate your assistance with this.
7.40.22
